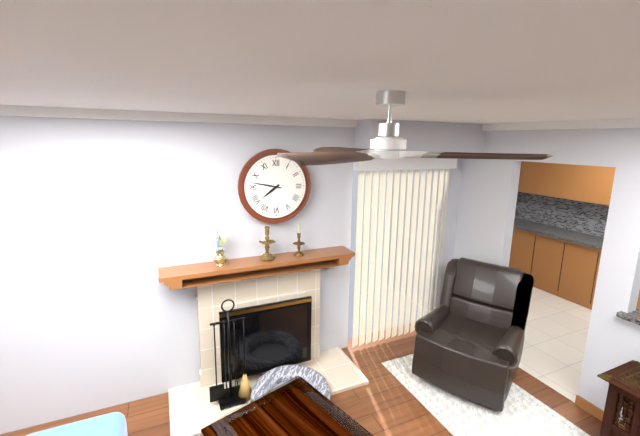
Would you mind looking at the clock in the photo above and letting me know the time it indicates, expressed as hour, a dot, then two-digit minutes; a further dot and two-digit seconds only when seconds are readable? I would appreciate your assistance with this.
7.47
